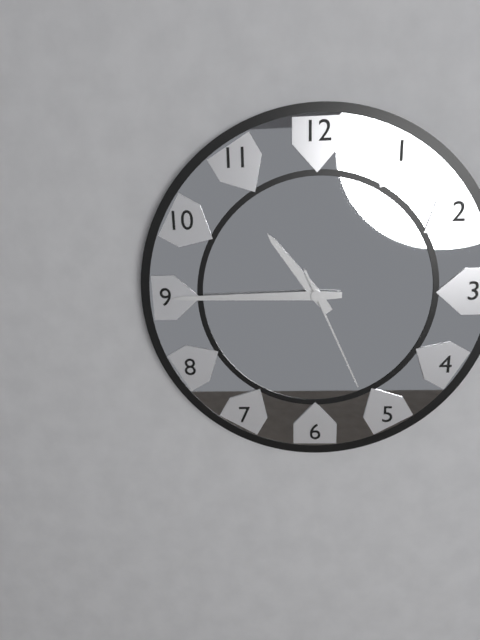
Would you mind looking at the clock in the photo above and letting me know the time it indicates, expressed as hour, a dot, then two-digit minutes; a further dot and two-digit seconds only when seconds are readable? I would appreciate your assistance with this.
10.45.26
